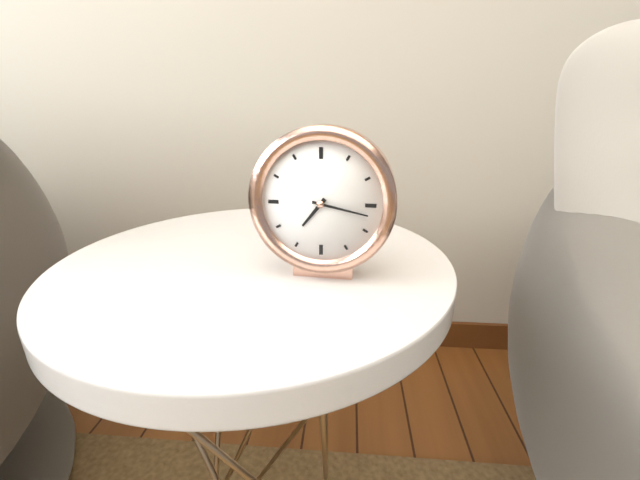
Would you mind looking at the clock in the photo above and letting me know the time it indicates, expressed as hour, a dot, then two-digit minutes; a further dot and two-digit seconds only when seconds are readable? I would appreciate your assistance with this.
7.17
